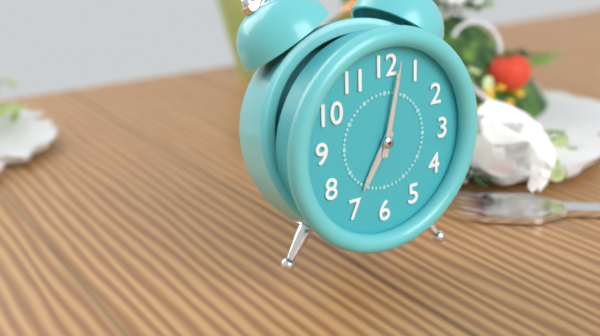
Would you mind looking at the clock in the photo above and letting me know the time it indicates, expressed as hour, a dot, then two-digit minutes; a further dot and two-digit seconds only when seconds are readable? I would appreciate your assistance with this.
7.02
